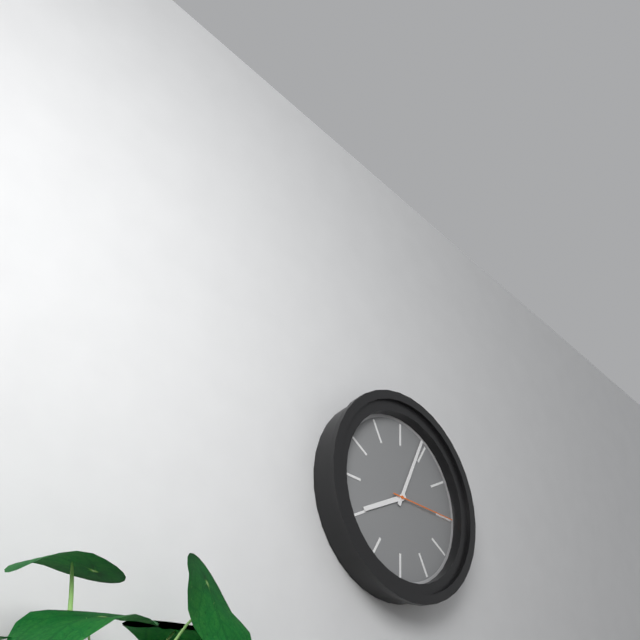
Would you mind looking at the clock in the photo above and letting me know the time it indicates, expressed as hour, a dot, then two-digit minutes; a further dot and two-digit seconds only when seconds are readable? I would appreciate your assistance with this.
8.04.15
